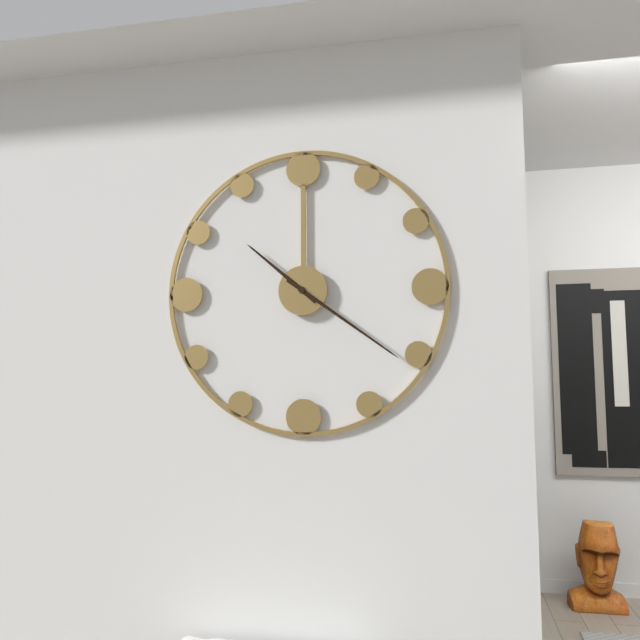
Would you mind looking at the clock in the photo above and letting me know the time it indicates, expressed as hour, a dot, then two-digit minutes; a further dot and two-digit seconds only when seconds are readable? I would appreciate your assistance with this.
10.21
